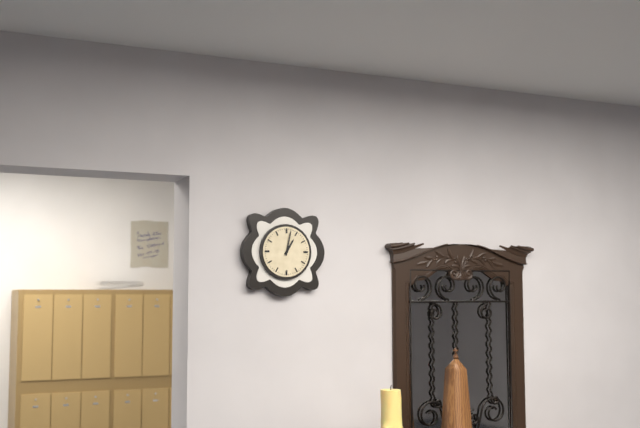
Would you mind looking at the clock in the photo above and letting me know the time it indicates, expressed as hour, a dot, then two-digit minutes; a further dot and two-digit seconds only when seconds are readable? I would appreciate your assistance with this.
1.02
